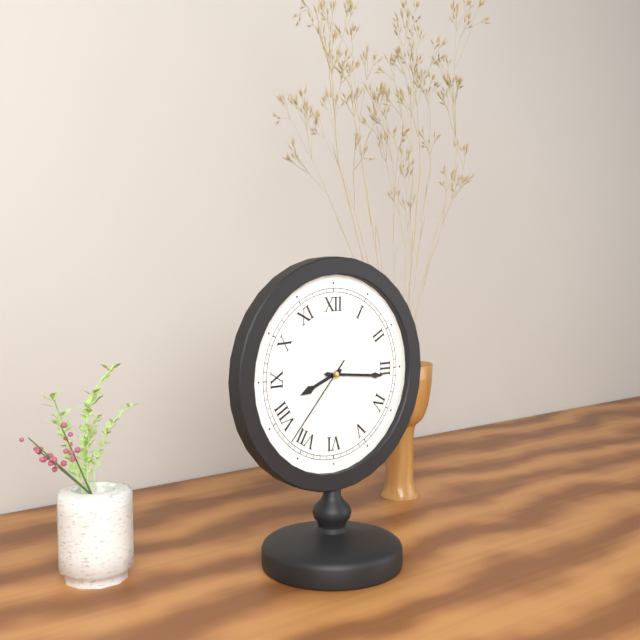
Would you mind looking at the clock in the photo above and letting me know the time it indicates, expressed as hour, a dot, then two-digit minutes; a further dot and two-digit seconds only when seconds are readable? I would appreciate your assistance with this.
8.16.37
